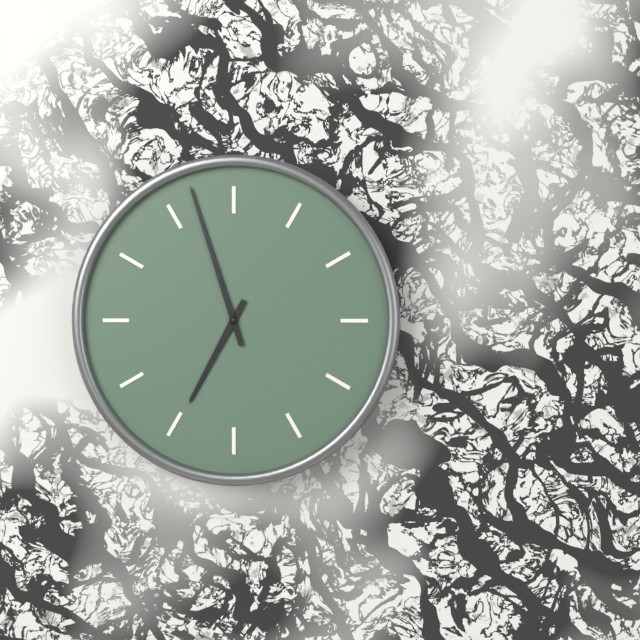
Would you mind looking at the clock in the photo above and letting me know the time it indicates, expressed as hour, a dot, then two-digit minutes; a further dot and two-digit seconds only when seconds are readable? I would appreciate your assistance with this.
6.57
